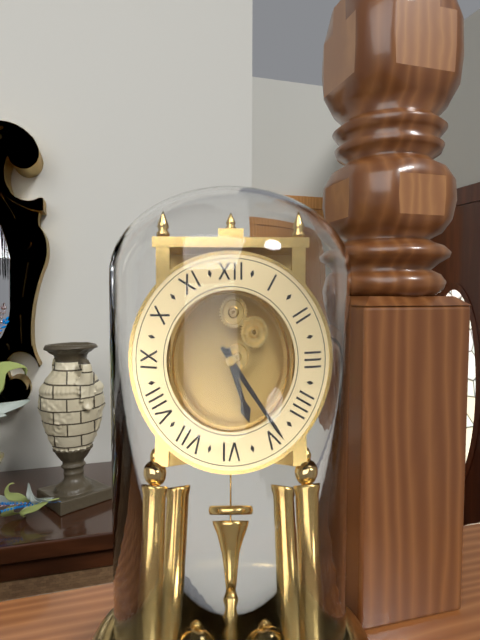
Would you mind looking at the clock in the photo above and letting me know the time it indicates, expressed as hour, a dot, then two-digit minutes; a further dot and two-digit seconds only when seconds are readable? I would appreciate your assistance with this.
5.24
